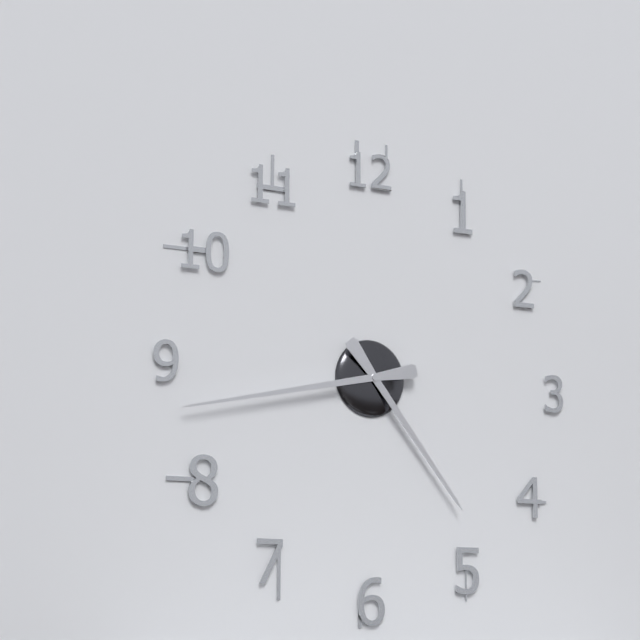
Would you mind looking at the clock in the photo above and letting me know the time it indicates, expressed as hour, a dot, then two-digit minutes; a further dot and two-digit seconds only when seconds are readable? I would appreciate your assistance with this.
4.43
